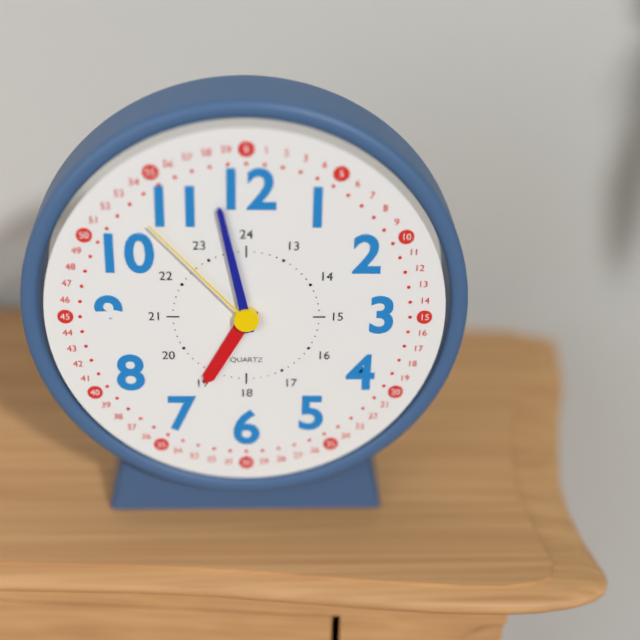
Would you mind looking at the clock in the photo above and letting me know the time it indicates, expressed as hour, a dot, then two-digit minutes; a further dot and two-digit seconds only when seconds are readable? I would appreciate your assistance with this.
6.58.53
